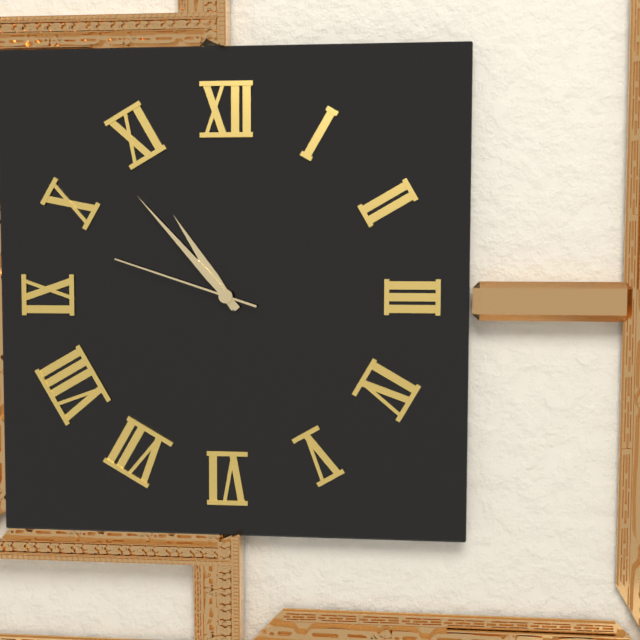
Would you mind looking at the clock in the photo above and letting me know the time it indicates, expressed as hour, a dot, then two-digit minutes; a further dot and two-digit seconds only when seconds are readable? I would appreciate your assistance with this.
10.53.48
